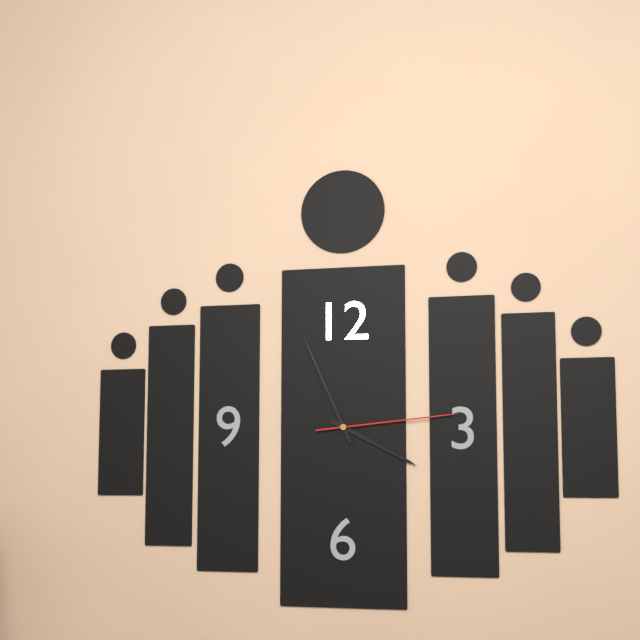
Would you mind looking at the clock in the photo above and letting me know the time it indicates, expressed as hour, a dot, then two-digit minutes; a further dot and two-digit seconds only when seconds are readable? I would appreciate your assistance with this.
3.56.14
